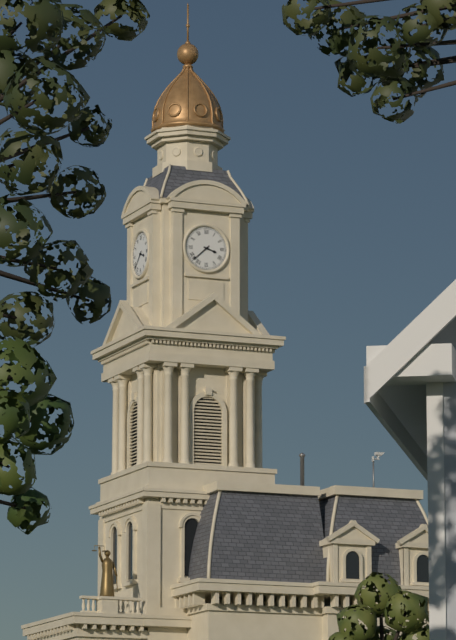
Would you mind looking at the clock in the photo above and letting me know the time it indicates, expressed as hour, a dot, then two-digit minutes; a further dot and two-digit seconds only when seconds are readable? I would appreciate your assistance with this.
3.38
